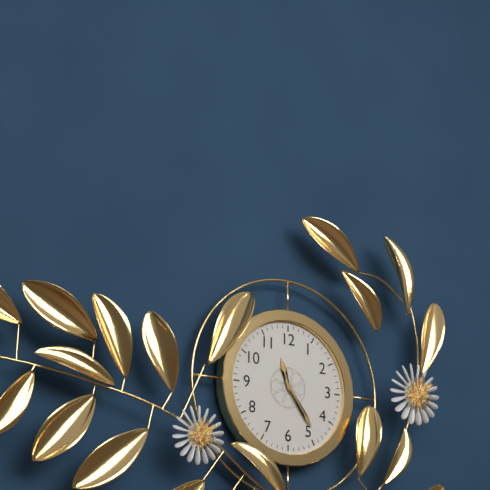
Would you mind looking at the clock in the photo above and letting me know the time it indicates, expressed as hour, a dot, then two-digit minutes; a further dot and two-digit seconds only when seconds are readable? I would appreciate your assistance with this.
11.24
